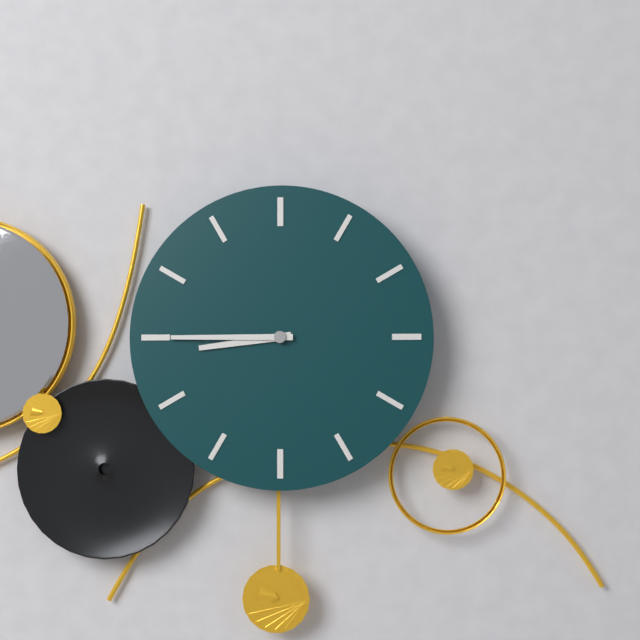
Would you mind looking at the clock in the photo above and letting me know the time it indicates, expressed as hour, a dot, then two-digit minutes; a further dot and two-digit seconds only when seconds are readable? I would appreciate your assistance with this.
8.45
